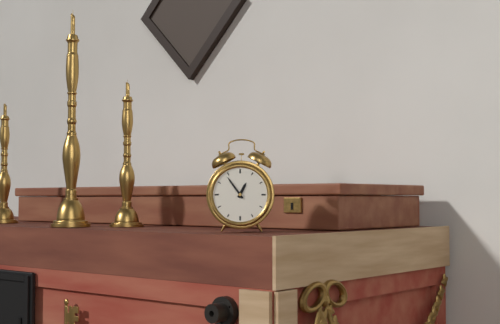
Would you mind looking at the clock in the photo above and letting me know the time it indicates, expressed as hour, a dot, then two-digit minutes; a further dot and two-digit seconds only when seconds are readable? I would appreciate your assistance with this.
12.54
